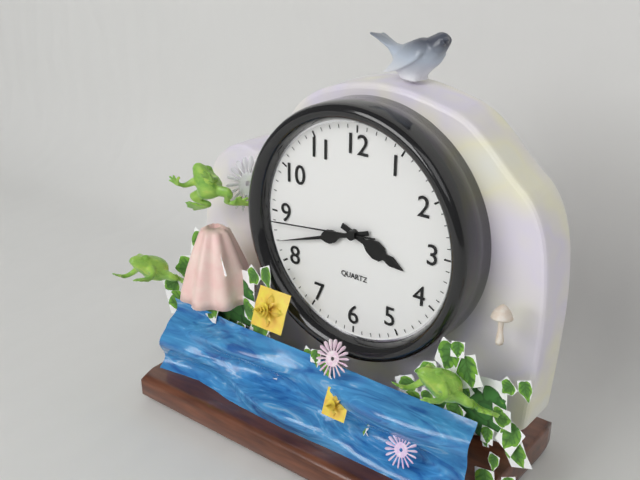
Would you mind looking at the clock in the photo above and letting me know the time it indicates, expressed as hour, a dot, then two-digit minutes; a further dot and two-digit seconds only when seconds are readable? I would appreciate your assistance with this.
3.42.44
